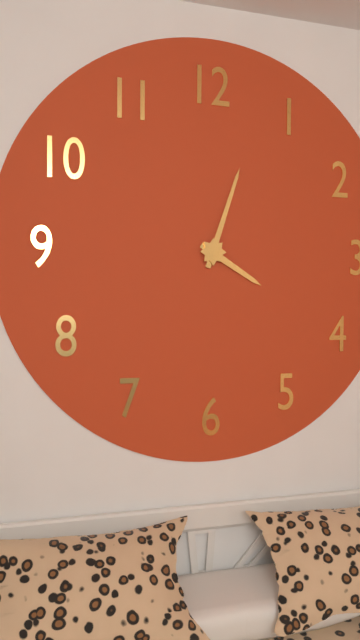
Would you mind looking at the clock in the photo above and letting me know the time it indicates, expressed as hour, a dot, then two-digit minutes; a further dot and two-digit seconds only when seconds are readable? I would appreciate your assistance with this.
4.03
